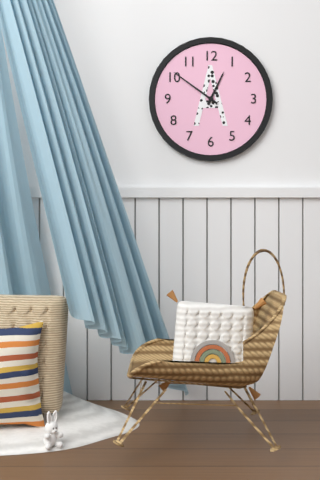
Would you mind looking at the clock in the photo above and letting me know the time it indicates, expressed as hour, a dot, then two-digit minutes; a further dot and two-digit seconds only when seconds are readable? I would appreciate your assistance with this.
12.51
